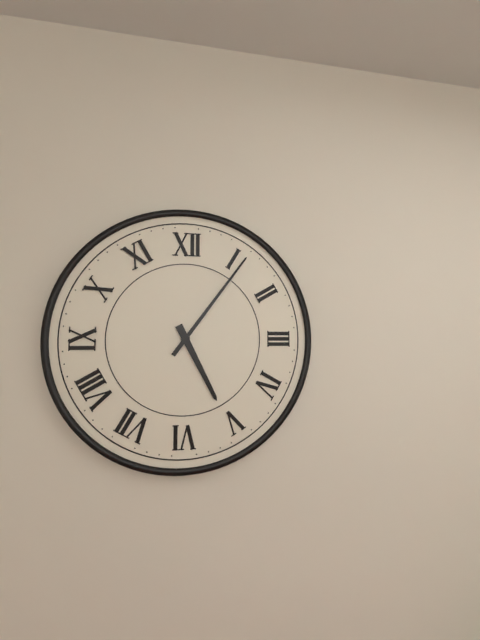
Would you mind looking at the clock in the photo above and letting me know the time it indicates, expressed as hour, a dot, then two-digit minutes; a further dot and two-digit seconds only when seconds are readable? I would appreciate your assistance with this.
5.06
